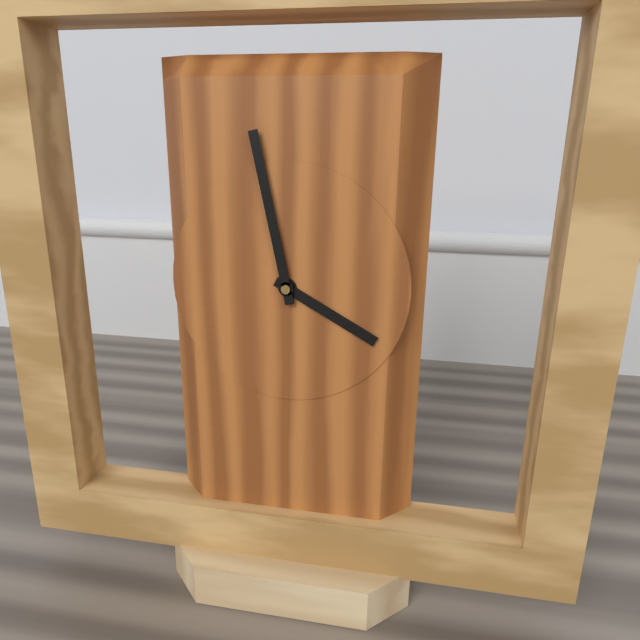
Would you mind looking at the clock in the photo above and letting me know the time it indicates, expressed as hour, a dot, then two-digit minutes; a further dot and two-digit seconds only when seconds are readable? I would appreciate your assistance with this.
3.58
